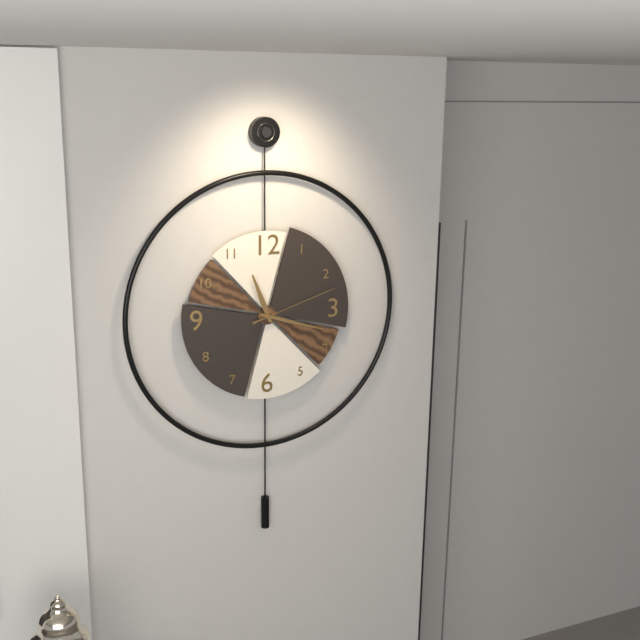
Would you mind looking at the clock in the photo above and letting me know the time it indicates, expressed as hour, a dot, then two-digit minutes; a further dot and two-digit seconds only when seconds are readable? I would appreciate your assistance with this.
11.18.12
